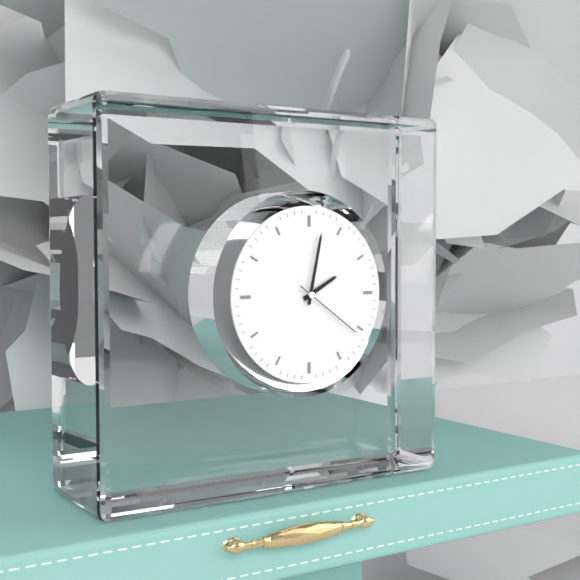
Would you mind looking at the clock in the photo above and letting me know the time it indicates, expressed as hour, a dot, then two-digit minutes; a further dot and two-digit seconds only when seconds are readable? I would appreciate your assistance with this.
2.02.21
